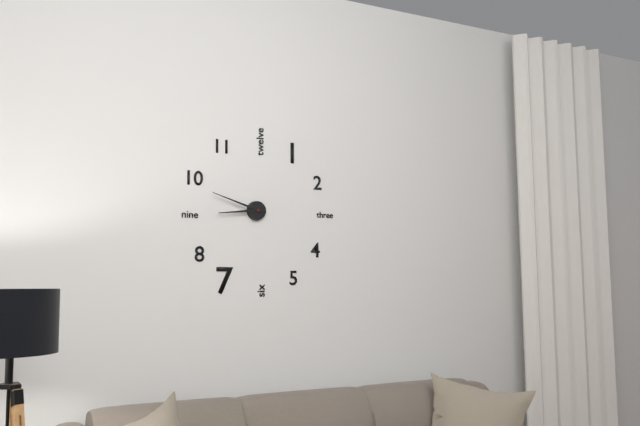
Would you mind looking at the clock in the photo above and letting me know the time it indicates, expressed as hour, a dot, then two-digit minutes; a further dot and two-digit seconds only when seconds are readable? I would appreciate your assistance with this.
8.48
